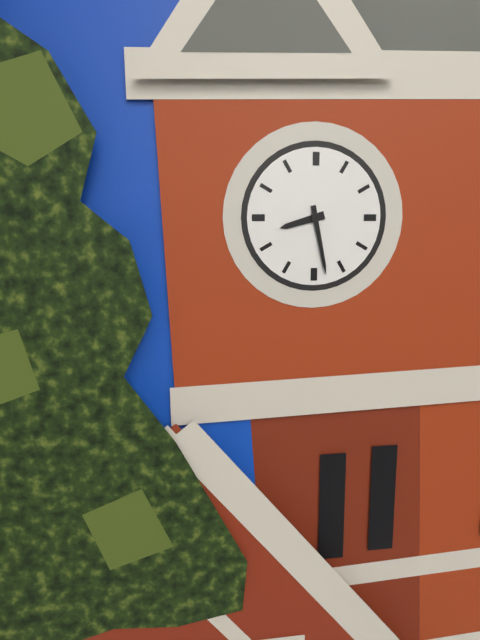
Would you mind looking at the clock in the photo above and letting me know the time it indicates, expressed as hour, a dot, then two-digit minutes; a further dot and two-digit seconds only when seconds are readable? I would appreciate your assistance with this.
8.28
